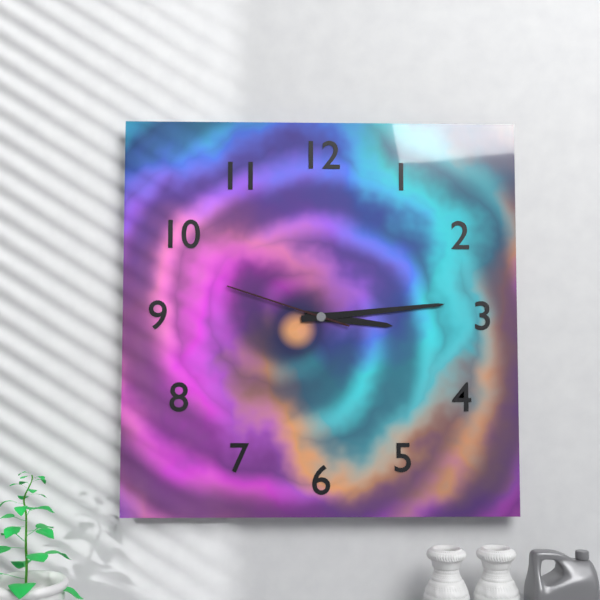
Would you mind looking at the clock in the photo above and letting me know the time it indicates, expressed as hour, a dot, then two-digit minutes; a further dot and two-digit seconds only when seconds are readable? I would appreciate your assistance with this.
3.14.48
